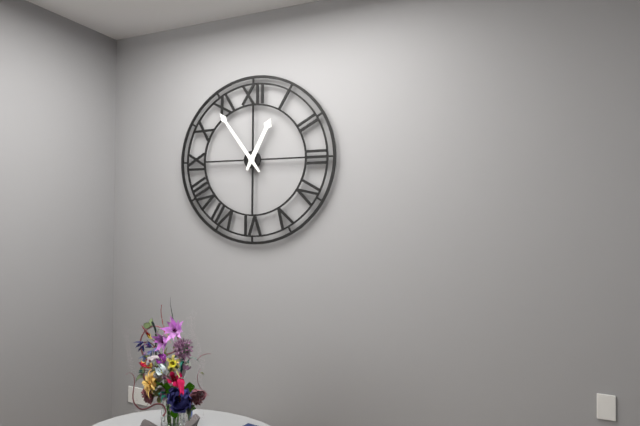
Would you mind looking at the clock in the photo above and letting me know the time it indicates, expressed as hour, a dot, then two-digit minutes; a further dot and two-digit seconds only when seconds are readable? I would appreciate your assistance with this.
12.54
